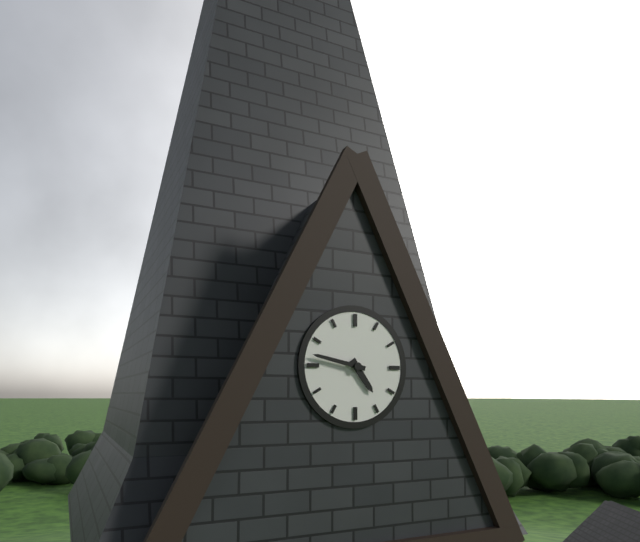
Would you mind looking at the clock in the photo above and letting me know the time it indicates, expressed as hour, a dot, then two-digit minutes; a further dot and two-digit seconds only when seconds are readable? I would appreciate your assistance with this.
4.47
